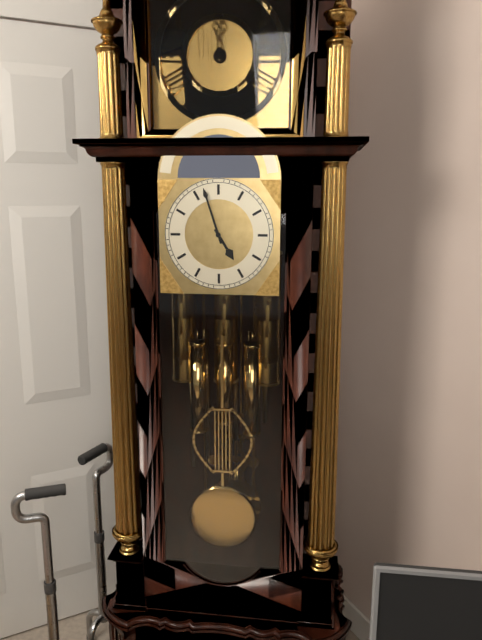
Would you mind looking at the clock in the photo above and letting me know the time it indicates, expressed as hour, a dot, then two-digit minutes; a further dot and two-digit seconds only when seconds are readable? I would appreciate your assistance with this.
4.57
